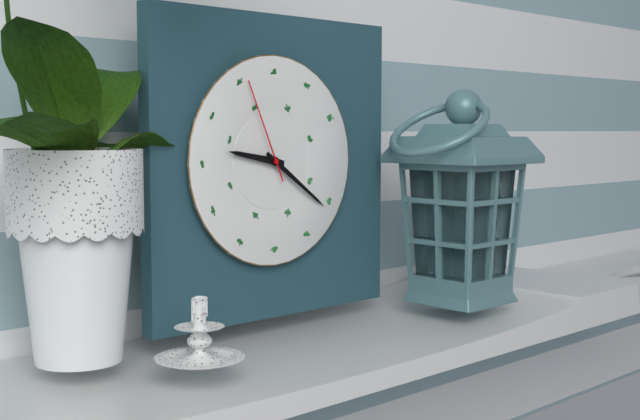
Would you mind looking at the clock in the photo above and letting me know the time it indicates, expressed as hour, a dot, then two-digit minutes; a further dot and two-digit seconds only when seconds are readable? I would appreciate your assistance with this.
9.21.56
